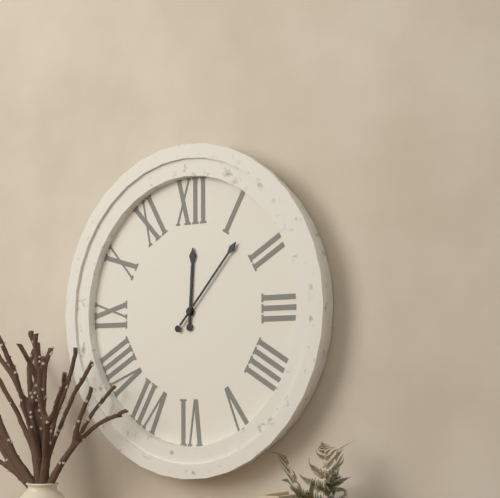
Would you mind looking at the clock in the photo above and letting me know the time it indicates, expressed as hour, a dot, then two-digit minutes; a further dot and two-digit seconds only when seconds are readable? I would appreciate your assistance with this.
12.07
